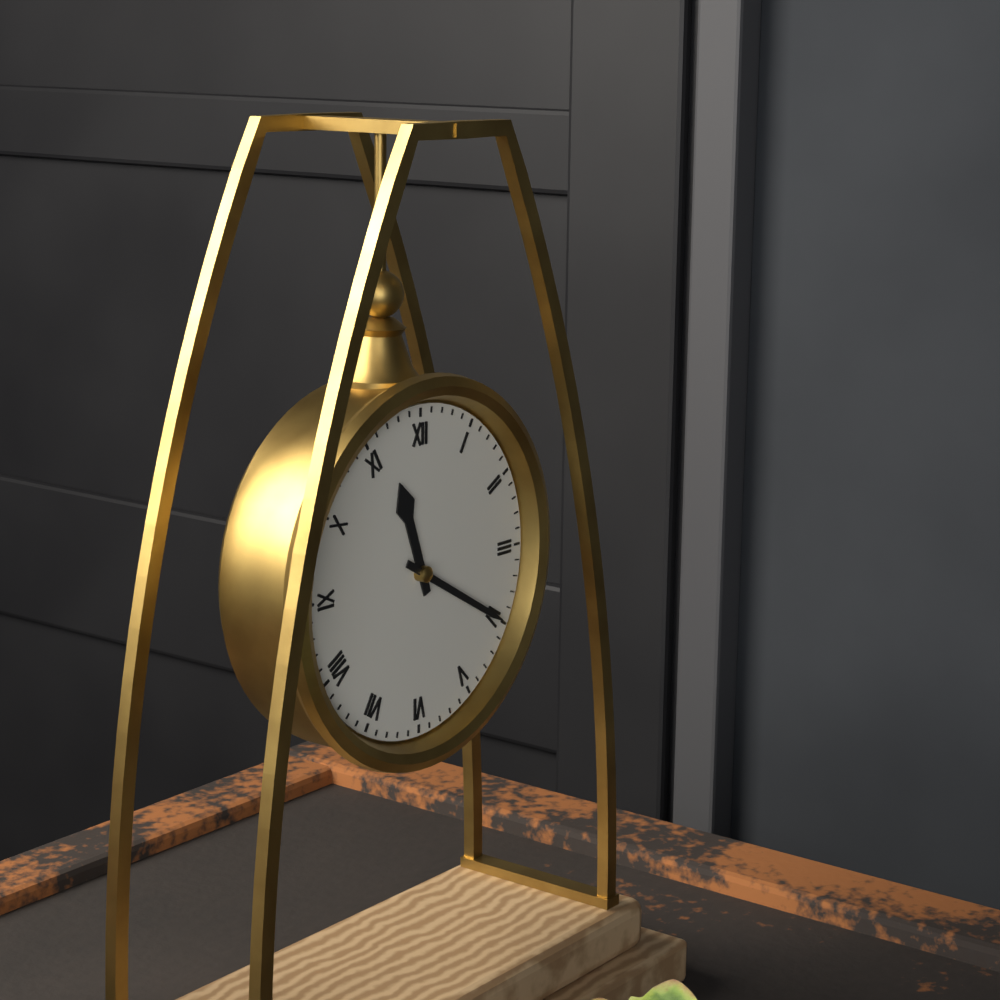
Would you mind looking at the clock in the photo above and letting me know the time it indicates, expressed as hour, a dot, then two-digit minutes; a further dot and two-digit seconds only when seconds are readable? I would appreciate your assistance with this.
11.20
